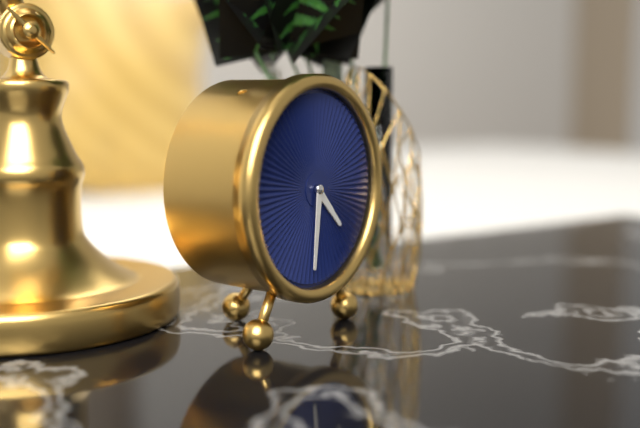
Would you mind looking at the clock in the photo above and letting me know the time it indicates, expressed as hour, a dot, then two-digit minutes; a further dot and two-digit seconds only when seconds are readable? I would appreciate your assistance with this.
4.31
